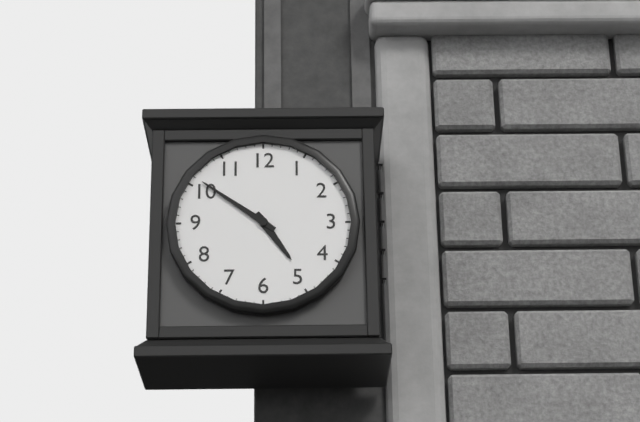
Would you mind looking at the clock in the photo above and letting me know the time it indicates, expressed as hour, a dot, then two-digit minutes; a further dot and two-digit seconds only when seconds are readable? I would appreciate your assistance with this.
4.51
